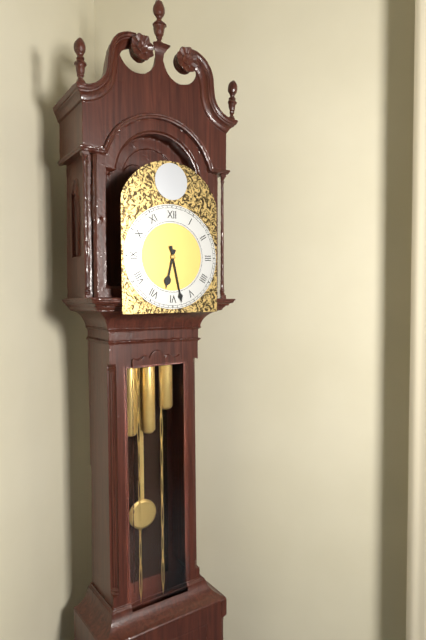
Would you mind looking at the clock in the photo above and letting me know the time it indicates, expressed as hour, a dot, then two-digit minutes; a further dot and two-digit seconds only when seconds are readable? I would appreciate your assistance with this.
6.28
